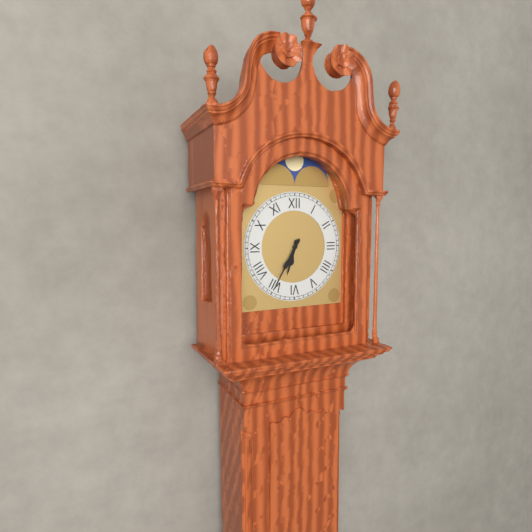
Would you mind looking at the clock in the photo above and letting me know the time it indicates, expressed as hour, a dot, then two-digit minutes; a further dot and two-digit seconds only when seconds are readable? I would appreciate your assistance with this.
6.35
